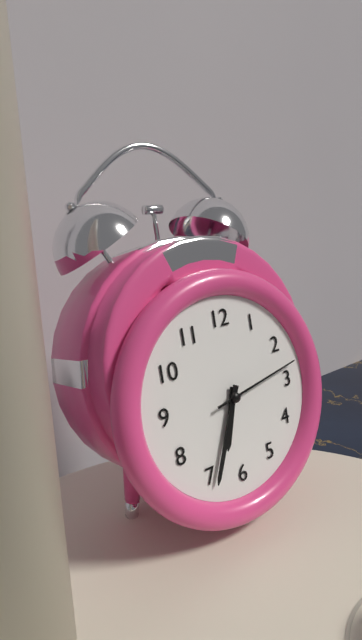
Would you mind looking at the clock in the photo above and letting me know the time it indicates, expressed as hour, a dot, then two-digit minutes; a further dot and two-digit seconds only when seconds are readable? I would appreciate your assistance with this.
6.34.13
